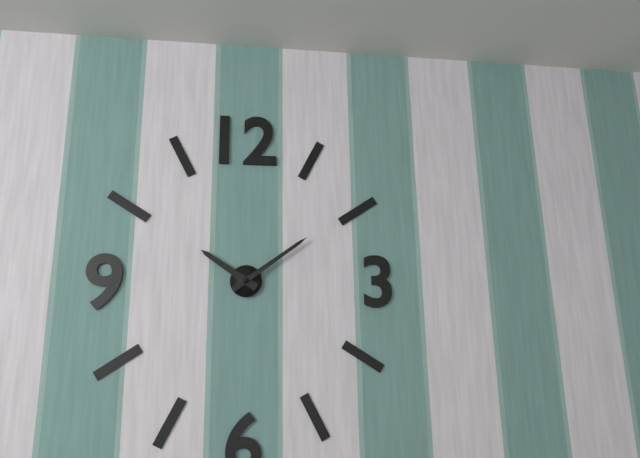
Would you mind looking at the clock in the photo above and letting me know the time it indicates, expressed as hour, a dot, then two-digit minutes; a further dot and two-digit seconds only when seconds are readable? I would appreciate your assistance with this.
10.09
